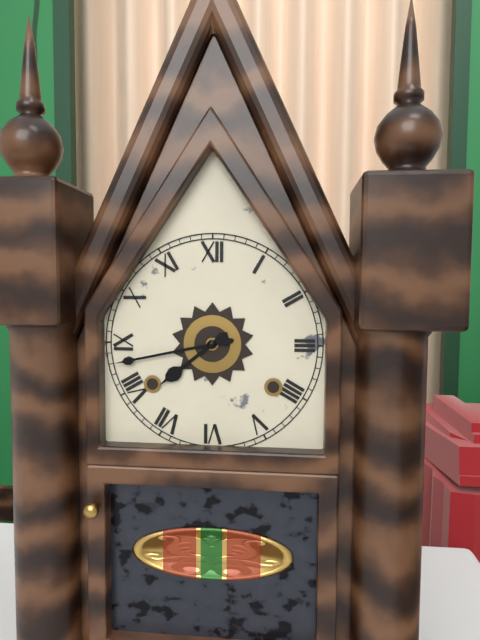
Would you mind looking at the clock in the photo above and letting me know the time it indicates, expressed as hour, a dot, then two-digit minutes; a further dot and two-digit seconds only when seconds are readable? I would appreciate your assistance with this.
7.43
